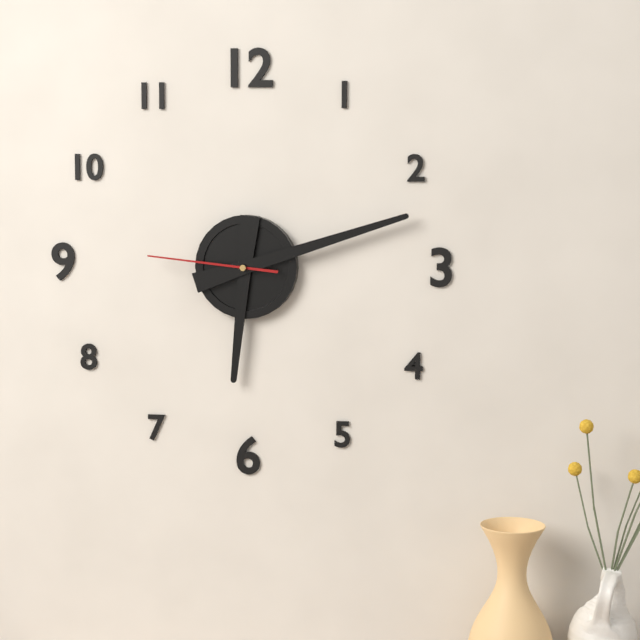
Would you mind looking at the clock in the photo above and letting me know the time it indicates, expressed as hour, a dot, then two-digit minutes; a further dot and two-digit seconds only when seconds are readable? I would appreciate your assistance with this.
6.12.46
